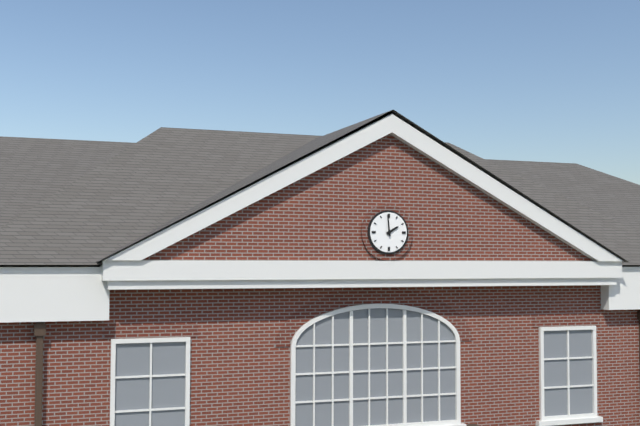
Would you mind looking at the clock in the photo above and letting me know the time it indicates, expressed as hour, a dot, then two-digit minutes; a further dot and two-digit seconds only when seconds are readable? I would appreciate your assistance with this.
1.59
